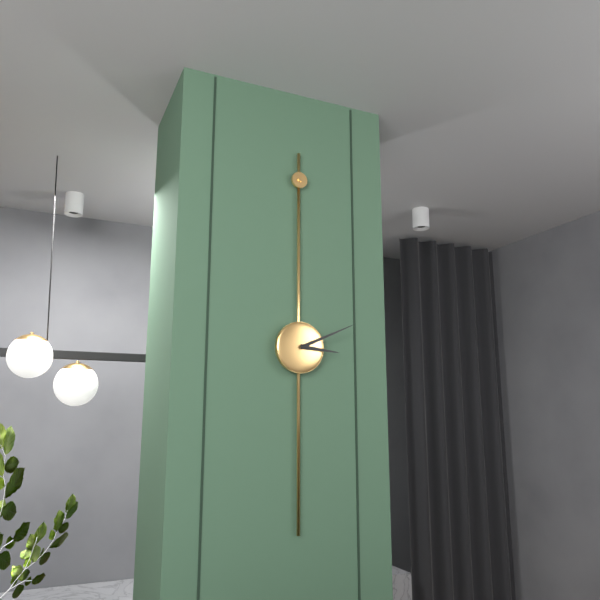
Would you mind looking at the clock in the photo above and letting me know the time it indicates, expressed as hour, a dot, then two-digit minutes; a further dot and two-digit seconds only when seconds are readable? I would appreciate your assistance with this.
3.11
